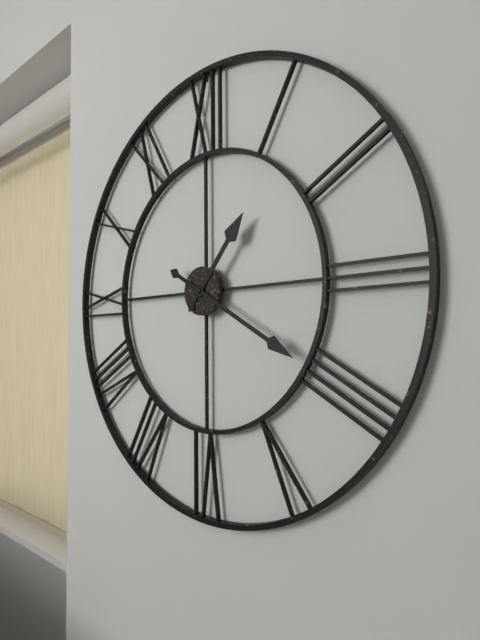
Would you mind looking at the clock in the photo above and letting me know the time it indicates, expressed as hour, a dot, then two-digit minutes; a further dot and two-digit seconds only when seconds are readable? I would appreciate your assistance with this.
1.20
